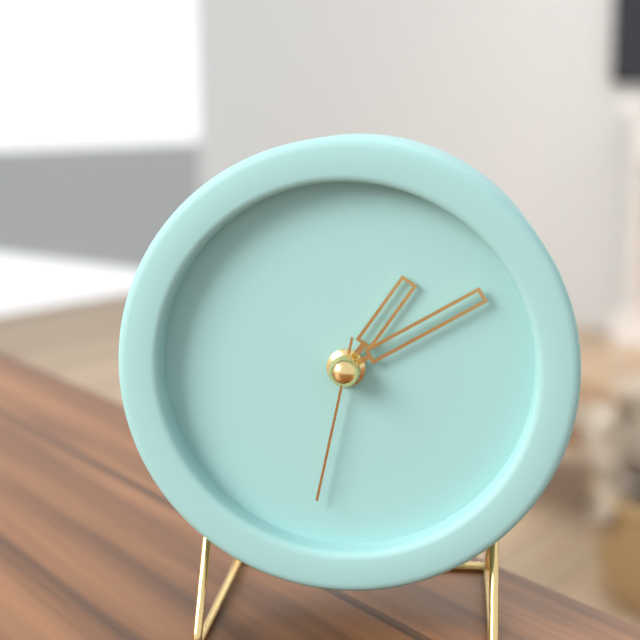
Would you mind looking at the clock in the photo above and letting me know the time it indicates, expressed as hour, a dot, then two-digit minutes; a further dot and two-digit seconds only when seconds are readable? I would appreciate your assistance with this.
1.10.32
